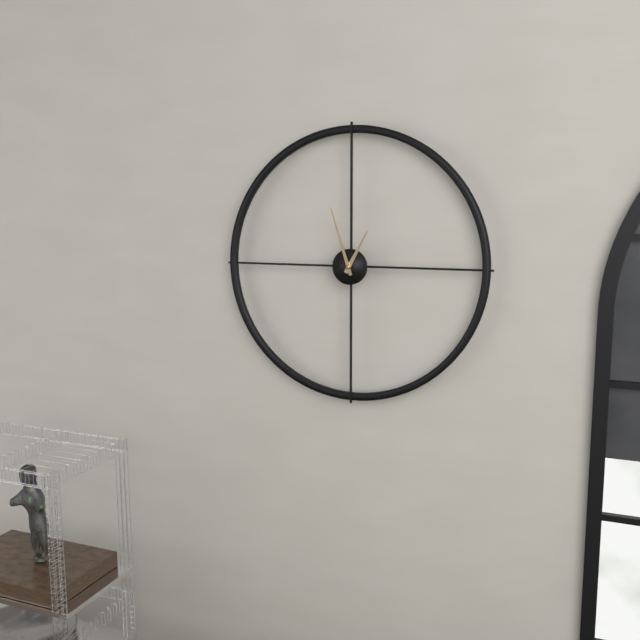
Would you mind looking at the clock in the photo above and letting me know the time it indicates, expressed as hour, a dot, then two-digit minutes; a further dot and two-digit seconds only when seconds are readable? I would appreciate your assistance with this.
12.57
